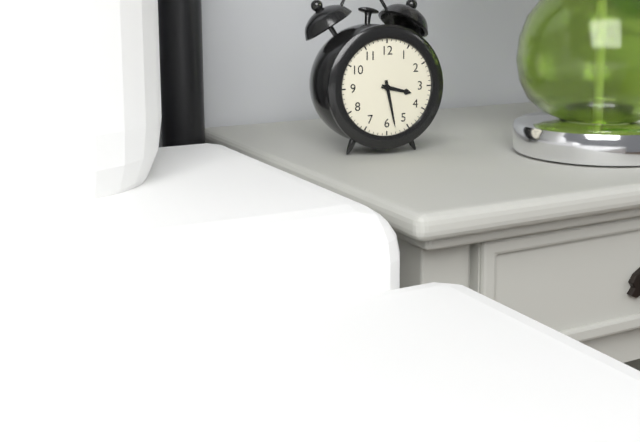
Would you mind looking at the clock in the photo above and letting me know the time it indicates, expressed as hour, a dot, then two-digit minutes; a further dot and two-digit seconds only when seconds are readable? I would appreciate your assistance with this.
3.28
